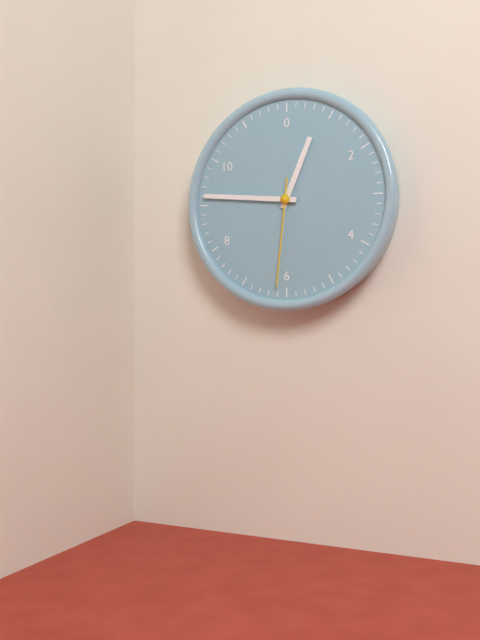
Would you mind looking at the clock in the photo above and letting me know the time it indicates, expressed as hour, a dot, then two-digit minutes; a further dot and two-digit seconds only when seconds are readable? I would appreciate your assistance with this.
12.46.31
